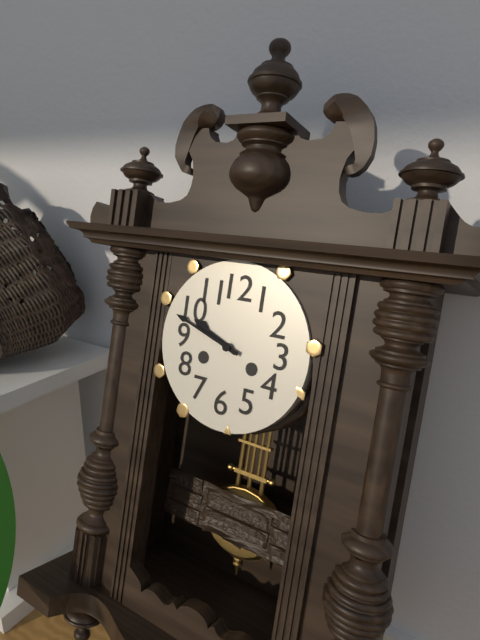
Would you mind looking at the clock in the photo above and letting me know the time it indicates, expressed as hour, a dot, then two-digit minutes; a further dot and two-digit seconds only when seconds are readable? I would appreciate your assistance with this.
9.48
